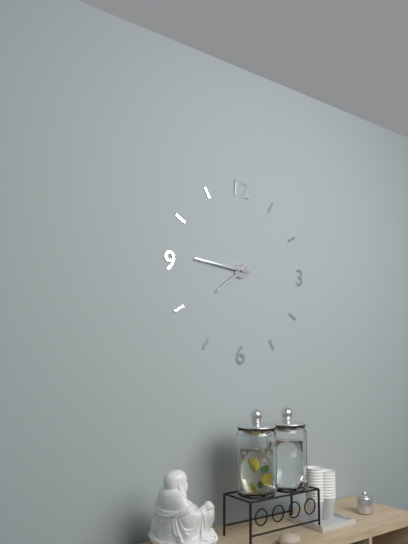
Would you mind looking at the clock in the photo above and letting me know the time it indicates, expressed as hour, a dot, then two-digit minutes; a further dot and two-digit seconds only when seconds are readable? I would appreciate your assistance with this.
7.46
